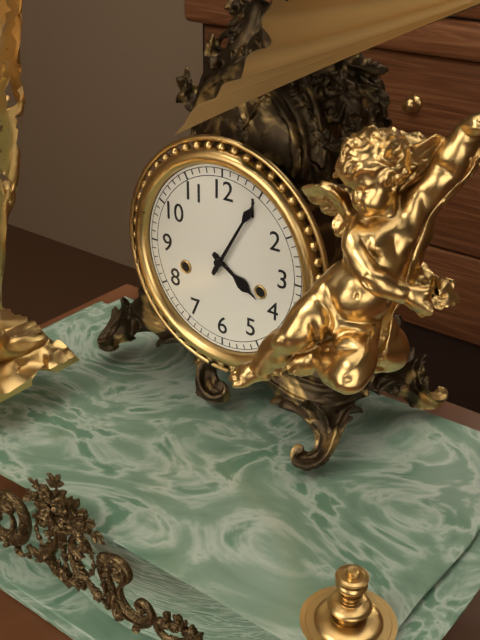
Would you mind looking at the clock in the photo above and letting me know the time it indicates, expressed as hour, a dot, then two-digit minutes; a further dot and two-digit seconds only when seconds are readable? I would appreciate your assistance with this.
4.05
